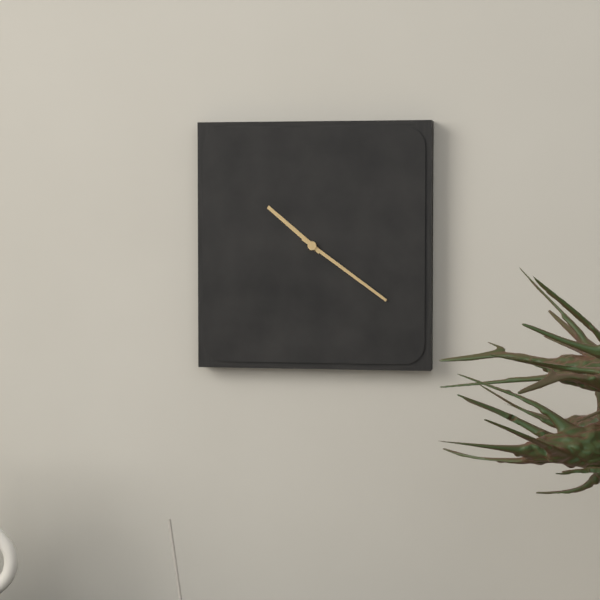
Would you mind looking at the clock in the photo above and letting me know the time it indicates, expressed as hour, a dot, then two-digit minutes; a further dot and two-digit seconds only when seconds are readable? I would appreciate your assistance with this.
10.21
